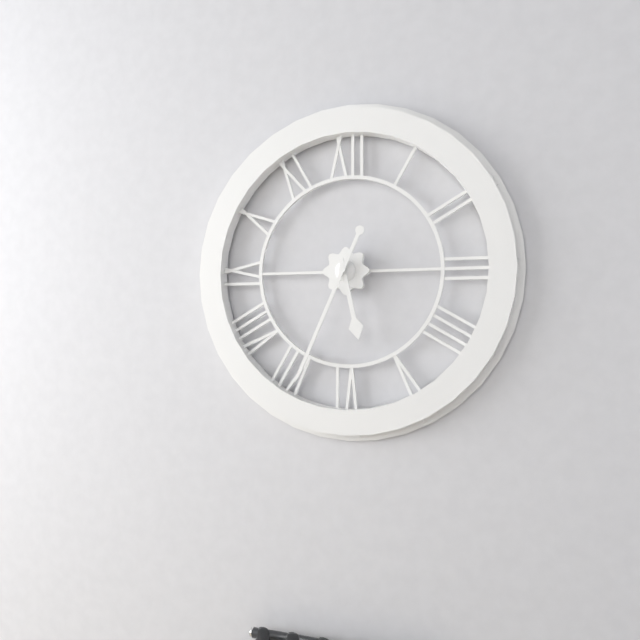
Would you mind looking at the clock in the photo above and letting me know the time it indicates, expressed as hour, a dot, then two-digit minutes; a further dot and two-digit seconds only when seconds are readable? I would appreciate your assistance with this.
5.34
